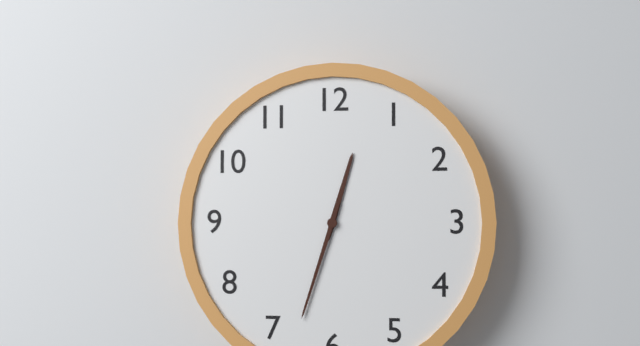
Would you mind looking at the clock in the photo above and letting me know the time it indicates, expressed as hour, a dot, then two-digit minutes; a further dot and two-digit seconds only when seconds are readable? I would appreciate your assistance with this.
12.33
